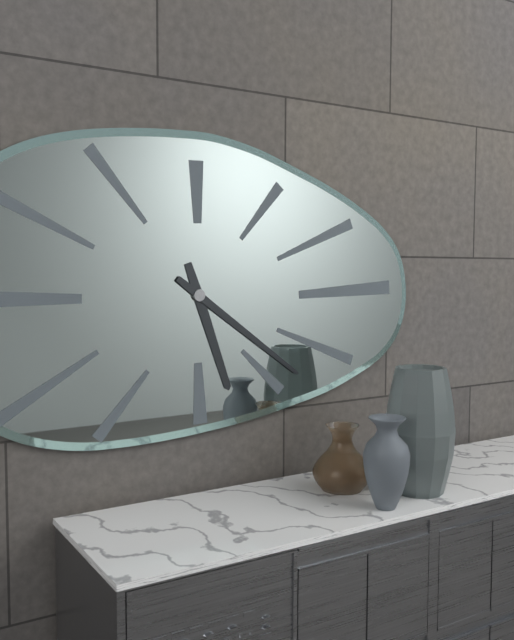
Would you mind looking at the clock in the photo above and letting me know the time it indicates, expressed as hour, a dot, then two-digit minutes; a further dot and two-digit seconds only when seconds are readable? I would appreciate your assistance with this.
5.21
